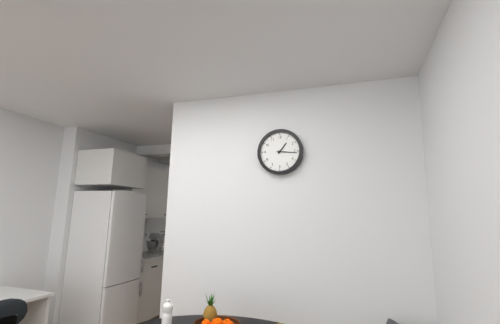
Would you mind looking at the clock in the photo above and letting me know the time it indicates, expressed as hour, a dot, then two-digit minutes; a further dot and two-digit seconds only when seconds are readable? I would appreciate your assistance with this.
1.16
